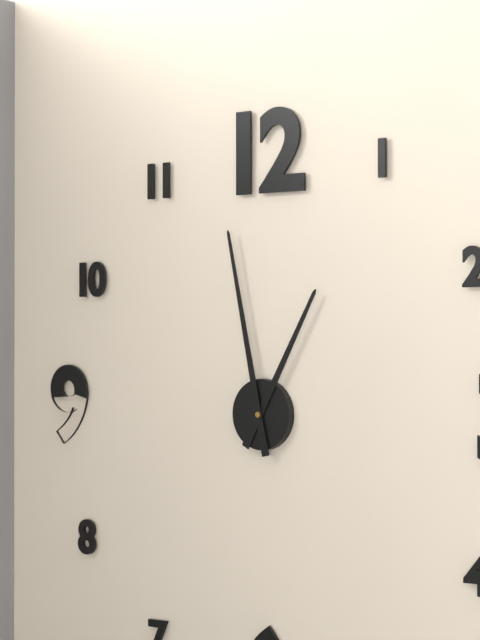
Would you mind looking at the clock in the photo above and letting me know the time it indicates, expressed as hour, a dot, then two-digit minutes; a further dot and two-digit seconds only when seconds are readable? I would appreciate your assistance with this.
12.58
